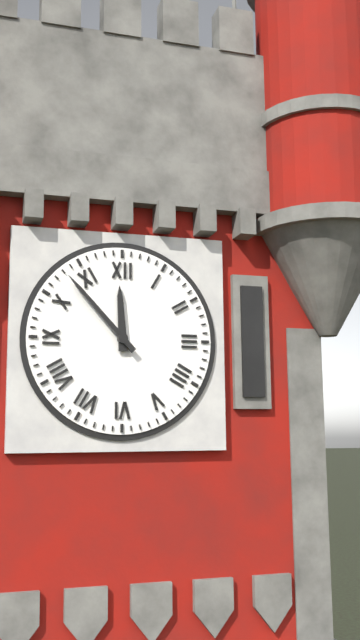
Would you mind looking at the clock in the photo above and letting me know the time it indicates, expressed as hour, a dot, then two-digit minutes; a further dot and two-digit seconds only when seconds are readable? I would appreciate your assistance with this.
11.53
